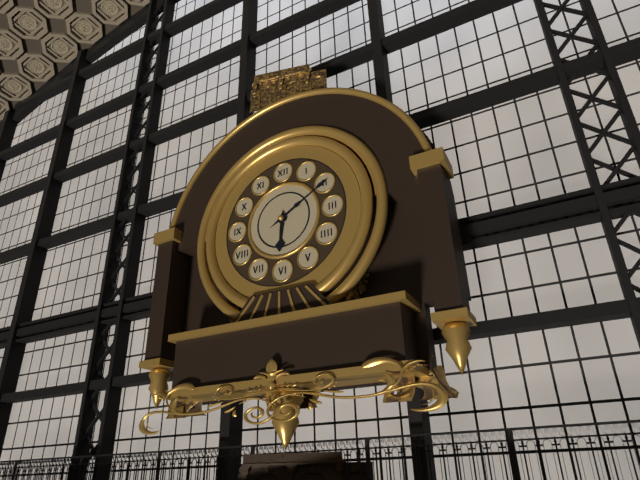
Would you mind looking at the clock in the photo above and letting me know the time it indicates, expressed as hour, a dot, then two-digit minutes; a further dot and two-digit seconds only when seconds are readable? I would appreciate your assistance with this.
6.10
